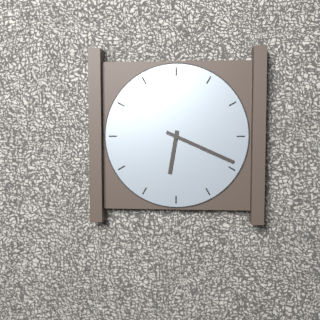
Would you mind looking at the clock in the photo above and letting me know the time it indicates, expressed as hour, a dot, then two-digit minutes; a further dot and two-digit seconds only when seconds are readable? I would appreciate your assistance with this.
6.19
